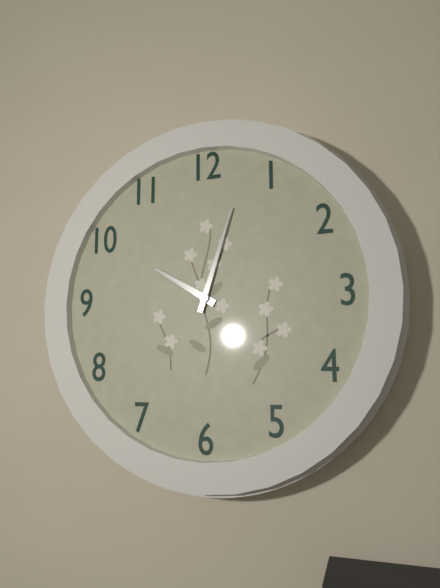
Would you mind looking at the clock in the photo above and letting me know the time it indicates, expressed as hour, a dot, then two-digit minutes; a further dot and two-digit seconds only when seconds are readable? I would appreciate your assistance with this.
10.03
